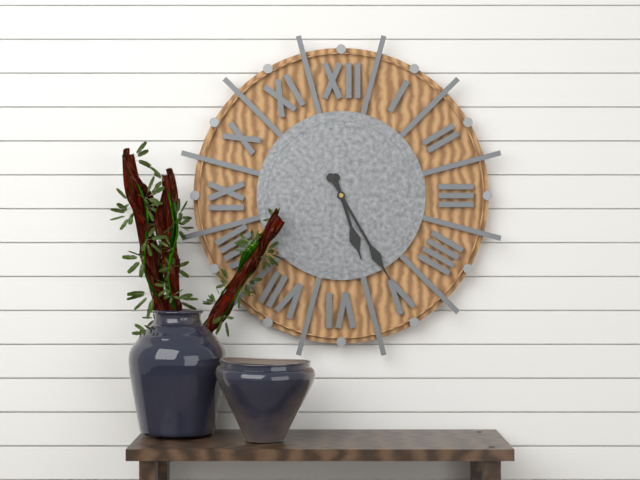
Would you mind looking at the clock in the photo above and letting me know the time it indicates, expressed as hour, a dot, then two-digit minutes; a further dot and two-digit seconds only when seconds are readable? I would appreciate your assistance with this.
5.25
